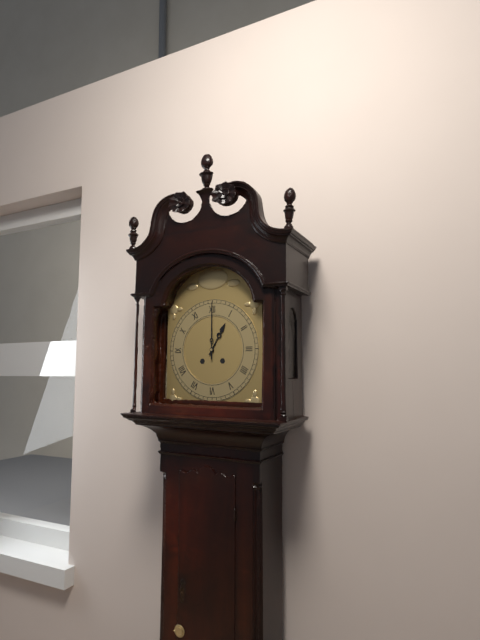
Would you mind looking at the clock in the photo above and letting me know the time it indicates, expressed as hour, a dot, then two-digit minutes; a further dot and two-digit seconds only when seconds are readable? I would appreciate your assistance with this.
1.00
